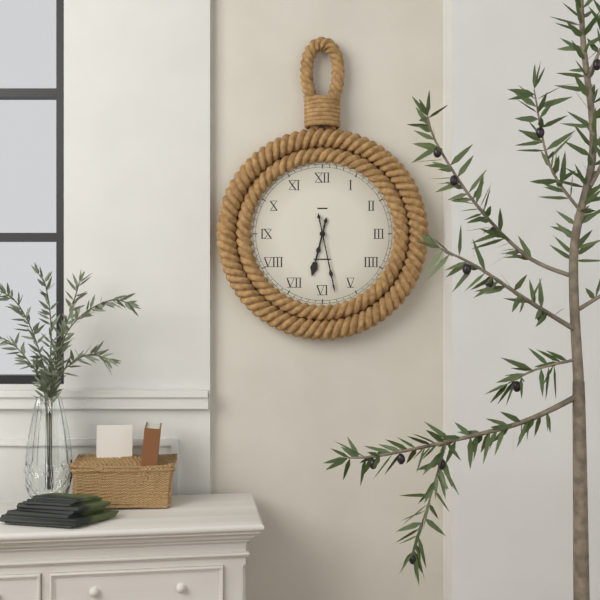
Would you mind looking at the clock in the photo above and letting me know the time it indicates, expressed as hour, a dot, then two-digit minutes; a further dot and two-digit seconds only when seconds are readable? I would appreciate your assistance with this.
6.28
